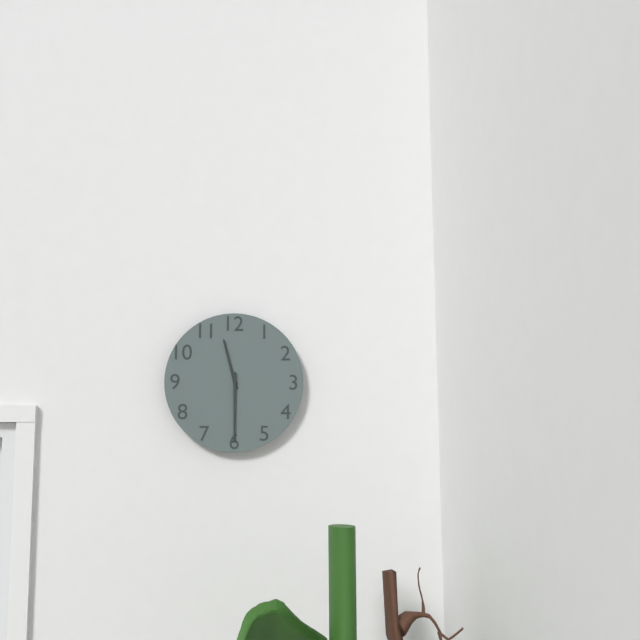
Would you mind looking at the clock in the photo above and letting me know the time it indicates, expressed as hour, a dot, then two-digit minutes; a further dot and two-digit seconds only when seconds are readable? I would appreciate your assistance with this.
11.30
